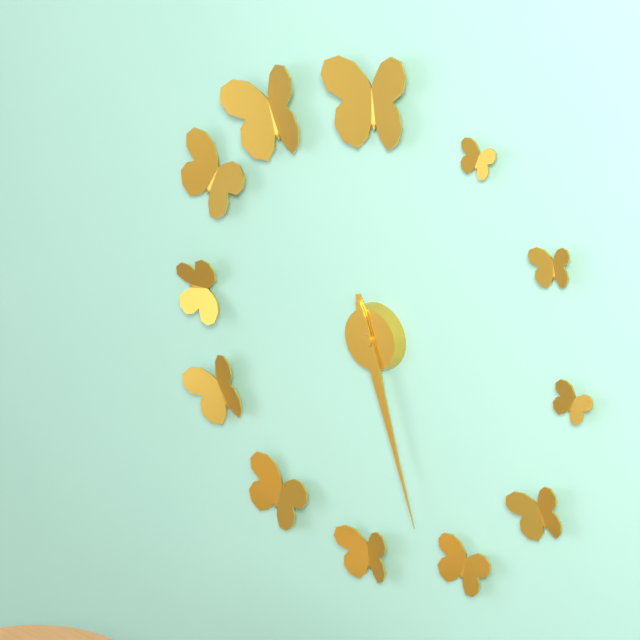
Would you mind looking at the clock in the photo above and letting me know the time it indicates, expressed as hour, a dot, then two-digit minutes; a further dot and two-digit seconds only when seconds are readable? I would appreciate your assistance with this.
5.27
